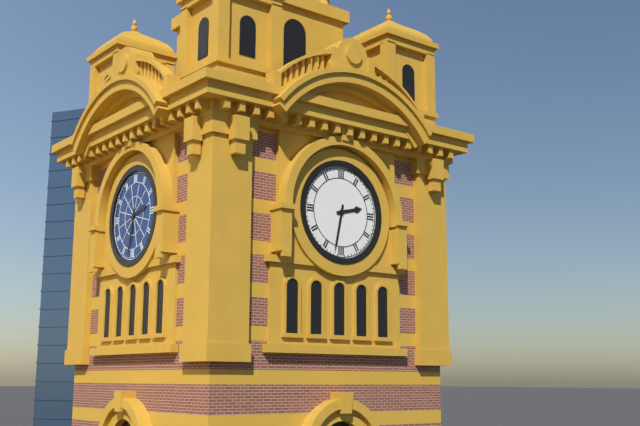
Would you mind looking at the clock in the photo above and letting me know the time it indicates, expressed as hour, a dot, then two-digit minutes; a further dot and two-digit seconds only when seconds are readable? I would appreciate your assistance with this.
2.32
